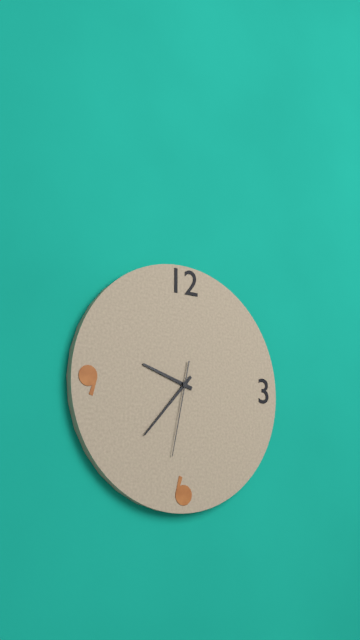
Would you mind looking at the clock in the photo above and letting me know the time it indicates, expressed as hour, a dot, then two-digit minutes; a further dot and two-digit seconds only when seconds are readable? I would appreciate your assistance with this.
9.37.32
